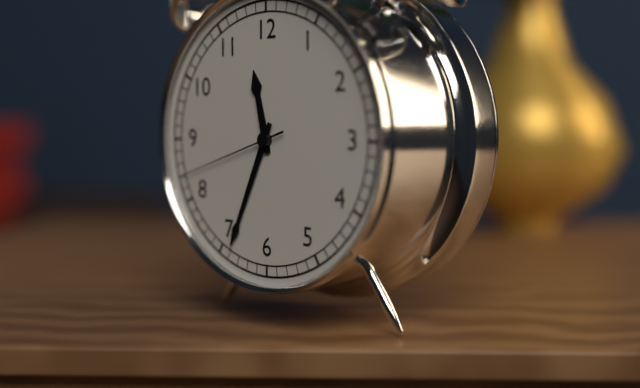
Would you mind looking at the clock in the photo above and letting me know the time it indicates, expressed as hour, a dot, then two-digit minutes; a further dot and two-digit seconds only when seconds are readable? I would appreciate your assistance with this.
11.34.42
